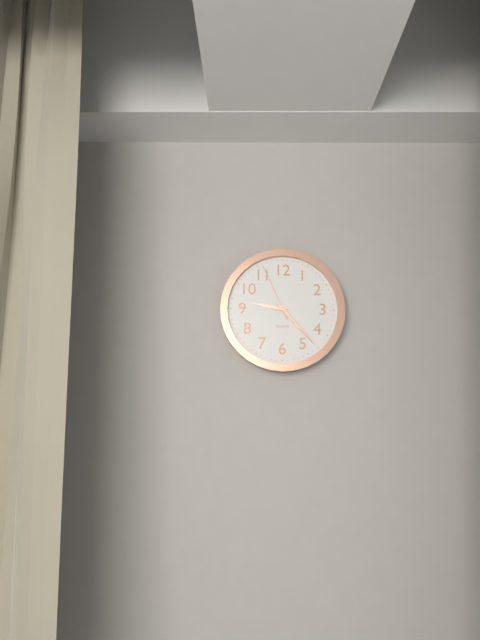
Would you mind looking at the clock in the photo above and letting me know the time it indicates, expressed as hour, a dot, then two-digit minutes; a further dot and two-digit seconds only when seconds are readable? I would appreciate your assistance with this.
9.23.56
